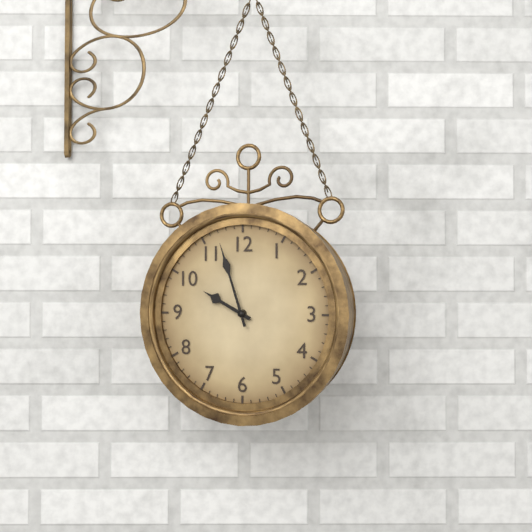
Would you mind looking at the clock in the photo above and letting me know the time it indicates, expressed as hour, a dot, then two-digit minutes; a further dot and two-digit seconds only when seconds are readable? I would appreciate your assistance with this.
9.57
